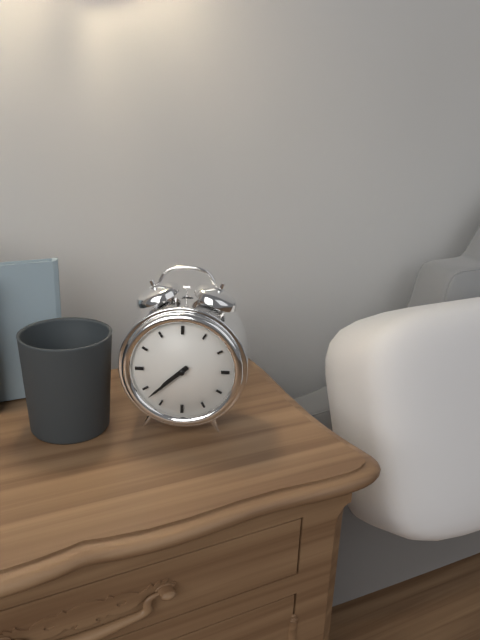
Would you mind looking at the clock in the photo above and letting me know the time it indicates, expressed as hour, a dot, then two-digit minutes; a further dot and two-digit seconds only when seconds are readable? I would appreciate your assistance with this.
7.38
